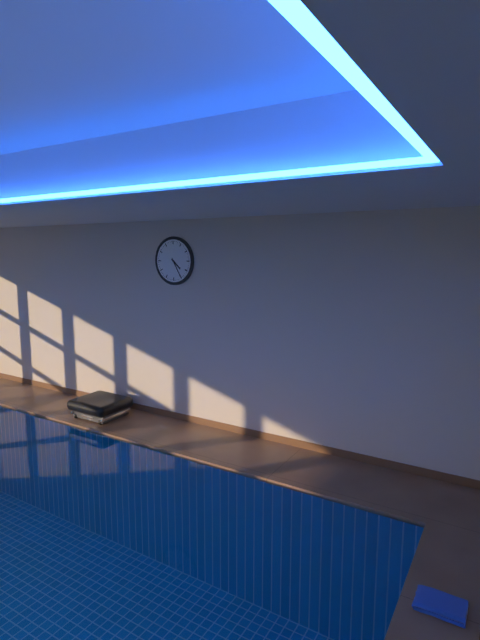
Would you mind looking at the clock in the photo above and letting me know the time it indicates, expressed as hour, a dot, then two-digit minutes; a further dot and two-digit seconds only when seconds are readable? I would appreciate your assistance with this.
4.25
